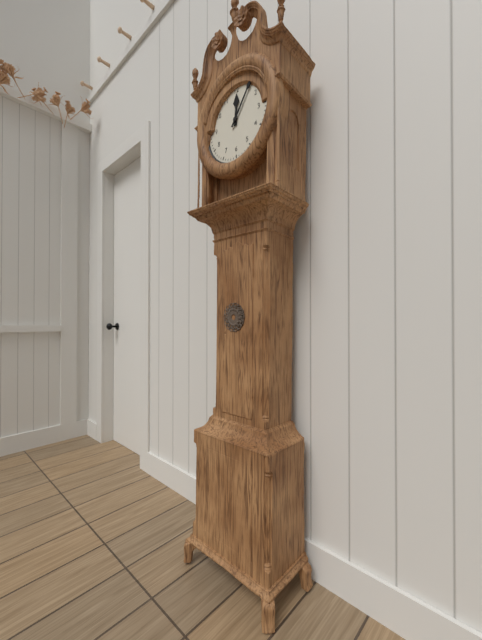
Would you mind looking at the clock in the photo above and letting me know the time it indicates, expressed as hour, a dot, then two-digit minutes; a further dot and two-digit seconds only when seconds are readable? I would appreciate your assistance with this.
12.06
